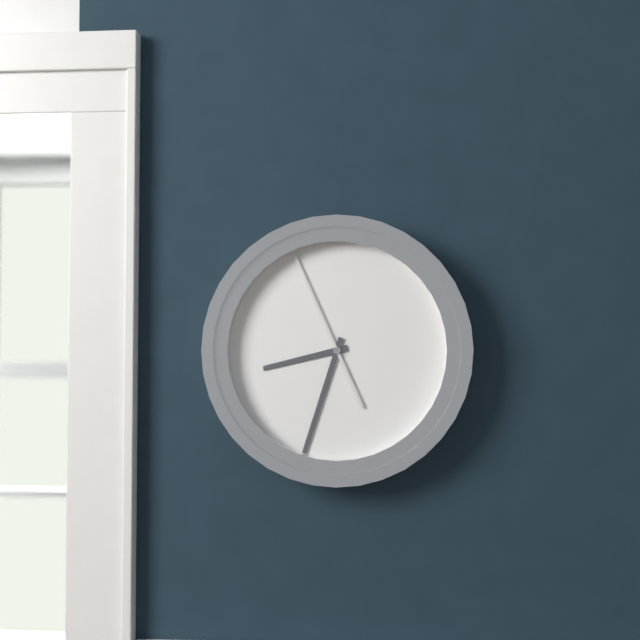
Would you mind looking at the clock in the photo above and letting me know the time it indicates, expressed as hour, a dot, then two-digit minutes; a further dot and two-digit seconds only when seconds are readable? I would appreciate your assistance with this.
8.33.56
